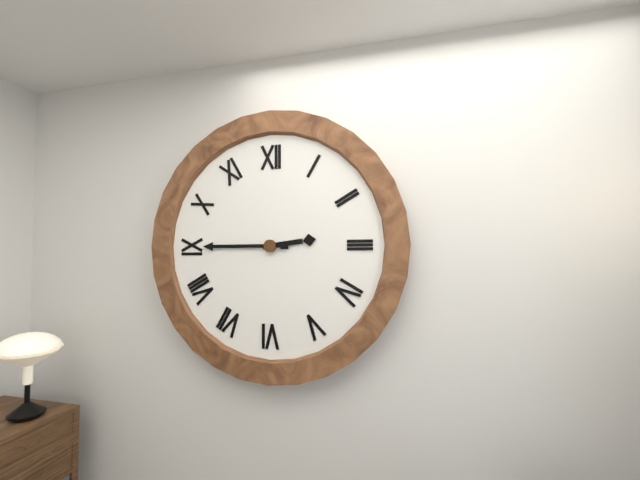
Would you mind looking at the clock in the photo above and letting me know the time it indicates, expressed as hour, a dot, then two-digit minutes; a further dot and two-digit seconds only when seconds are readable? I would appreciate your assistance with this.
2.45
